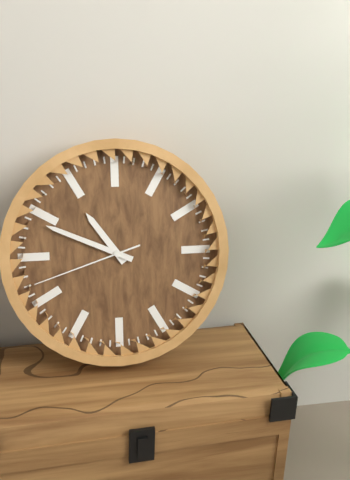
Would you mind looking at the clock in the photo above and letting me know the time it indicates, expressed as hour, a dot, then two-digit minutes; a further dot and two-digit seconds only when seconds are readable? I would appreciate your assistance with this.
10.49.42
